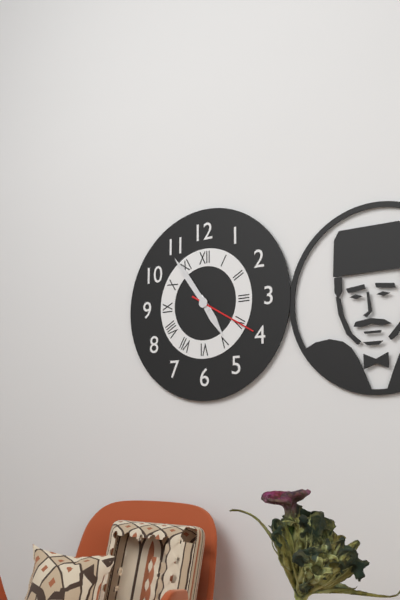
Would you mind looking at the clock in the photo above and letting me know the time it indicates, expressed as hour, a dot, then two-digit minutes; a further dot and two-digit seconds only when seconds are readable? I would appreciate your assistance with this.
4.54.20
